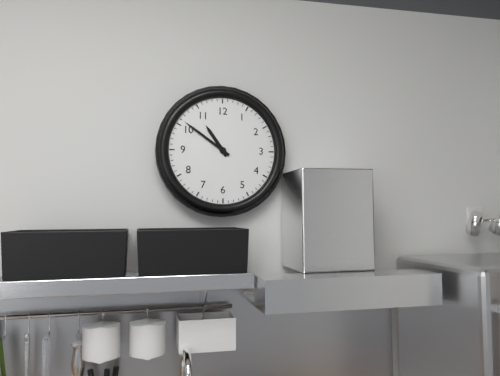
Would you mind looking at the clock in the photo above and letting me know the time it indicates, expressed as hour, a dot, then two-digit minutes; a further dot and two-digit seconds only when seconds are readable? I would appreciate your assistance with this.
10.51
